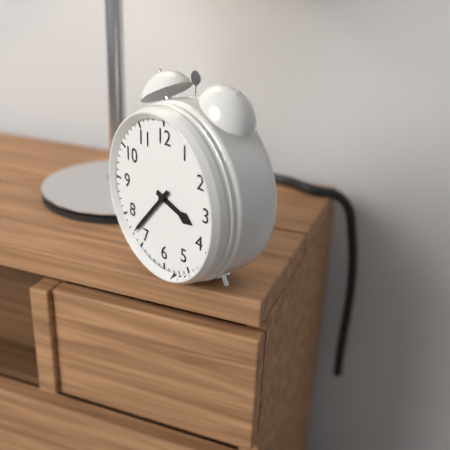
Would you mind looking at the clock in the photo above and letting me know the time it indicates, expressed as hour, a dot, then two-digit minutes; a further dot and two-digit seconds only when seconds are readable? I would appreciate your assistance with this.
3.37
